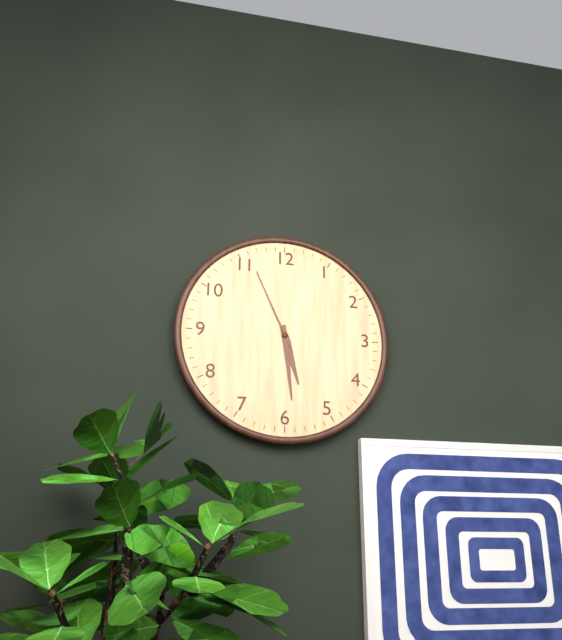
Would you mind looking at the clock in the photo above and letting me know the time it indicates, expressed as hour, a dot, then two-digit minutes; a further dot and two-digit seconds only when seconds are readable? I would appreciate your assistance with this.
5.29.56
